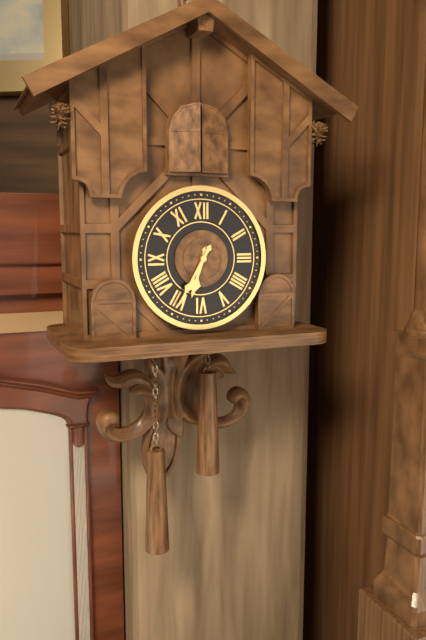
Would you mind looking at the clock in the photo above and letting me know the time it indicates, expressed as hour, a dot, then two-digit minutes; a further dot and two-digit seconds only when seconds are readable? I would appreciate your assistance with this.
6.35
